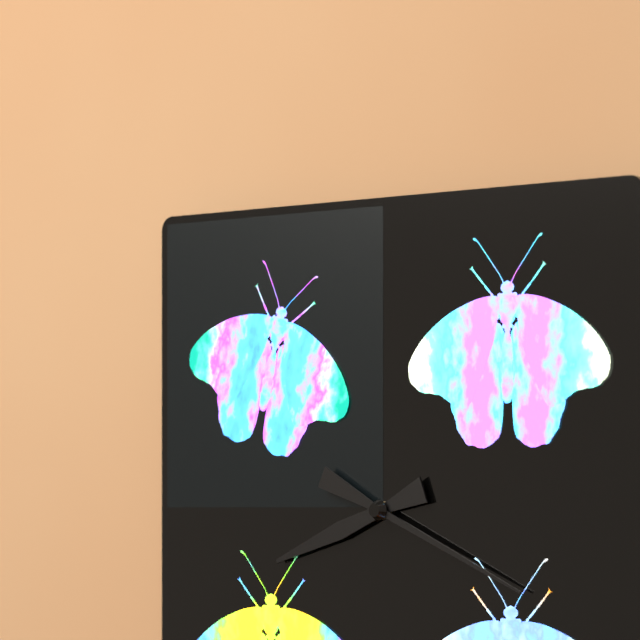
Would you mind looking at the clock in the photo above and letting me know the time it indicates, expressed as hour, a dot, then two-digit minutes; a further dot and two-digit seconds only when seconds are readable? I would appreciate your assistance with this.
8.19
